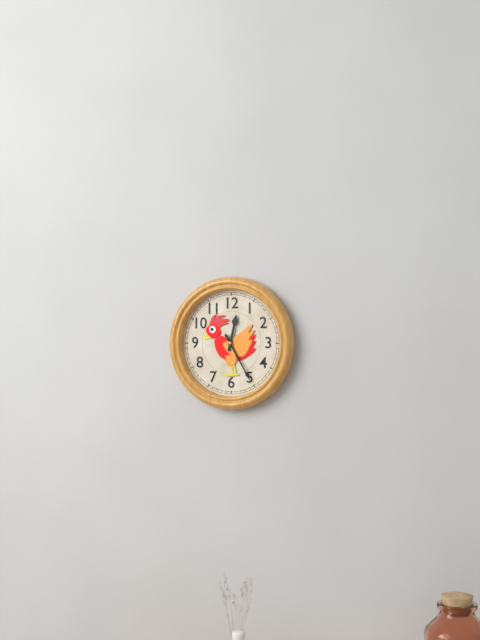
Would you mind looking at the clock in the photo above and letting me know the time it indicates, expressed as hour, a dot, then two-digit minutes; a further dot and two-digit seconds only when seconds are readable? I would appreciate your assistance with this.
12.25
